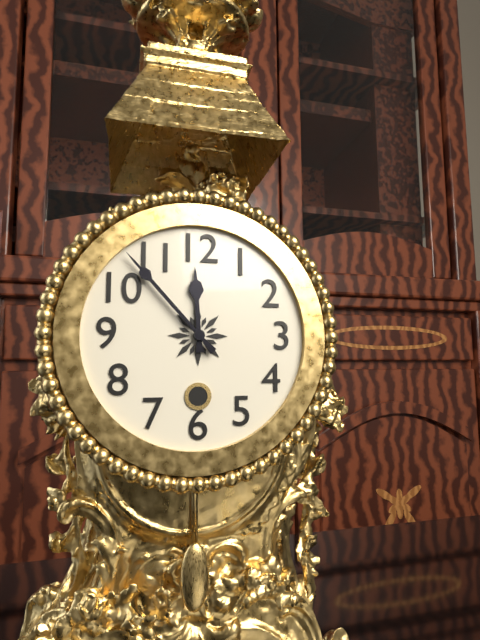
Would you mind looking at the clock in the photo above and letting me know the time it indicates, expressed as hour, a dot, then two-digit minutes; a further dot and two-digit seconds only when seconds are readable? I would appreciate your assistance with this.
11.53
